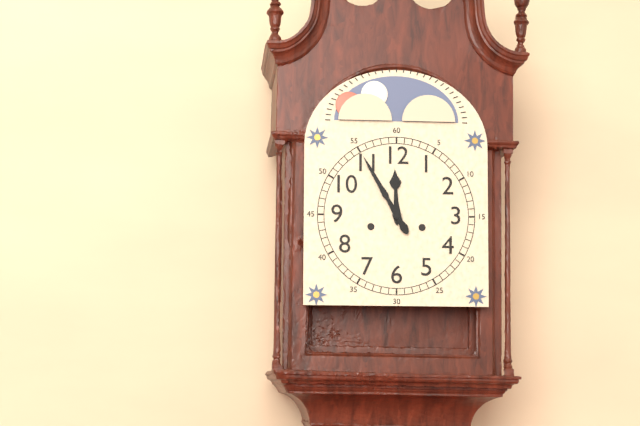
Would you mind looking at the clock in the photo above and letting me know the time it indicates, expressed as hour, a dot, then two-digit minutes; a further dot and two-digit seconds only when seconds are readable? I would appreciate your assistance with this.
11.55
